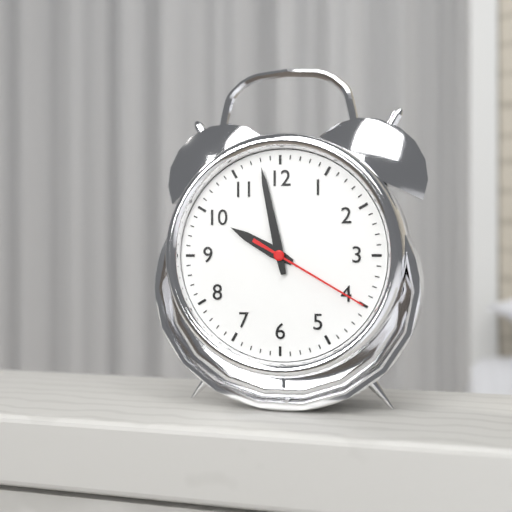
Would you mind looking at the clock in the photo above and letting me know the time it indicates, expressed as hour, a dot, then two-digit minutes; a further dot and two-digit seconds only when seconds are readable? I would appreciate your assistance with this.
9.58.20
